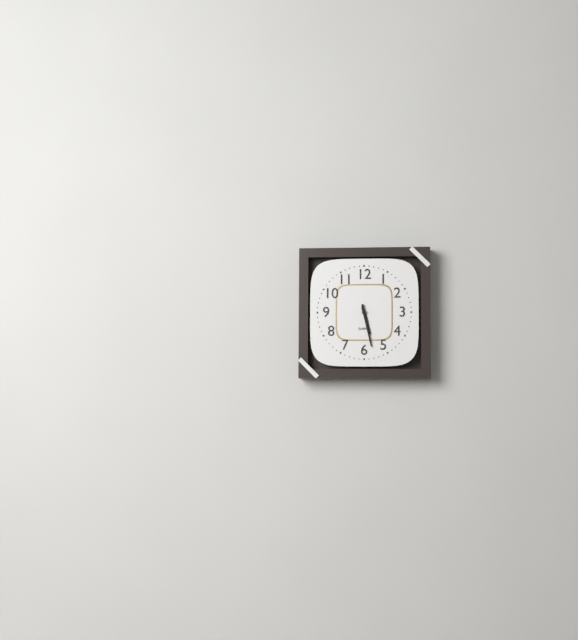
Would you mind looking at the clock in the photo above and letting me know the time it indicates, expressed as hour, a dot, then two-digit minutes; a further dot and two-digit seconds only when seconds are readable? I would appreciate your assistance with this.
5.28
